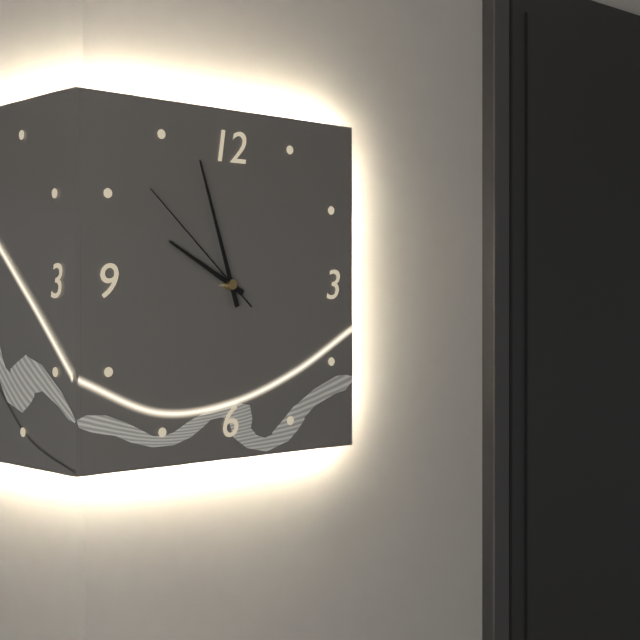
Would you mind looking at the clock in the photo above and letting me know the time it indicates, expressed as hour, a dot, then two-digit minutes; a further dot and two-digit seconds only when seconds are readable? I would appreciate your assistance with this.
9.57.52
